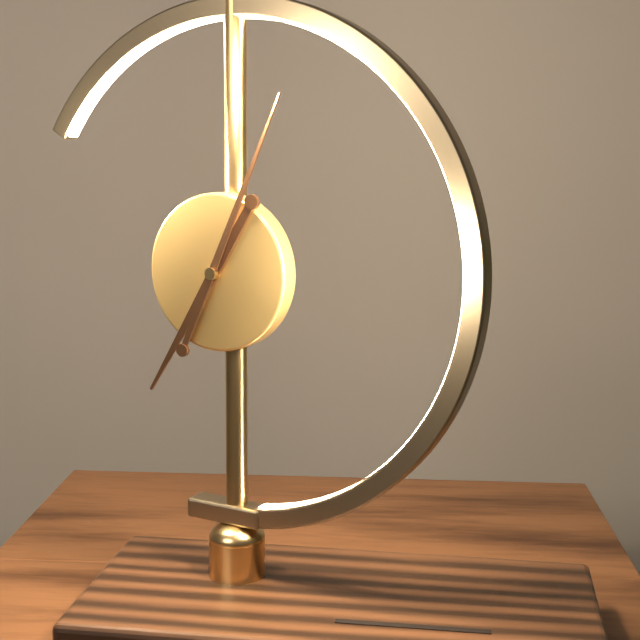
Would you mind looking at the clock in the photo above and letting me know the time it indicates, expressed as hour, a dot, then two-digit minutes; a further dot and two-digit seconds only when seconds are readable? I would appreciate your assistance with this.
7.04
